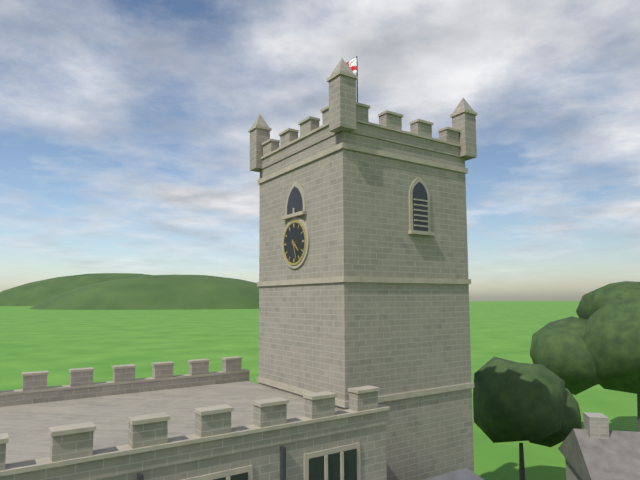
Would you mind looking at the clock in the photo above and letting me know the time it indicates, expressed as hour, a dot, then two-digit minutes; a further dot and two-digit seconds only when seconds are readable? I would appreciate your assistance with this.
4.27
